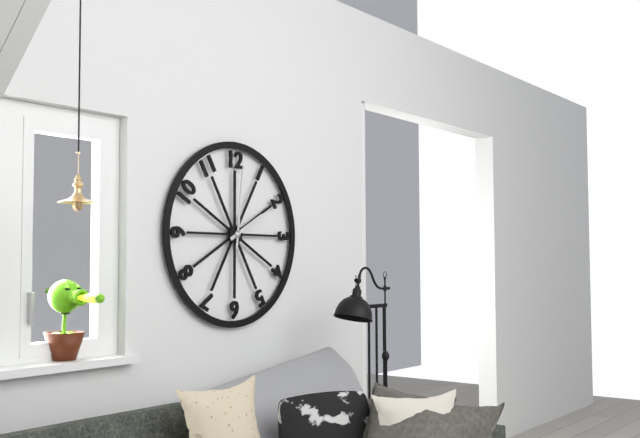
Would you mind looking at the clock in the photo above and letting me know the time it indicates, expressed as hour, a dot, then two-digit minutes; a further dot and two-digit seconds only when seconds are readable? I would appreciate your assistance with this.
2.01
